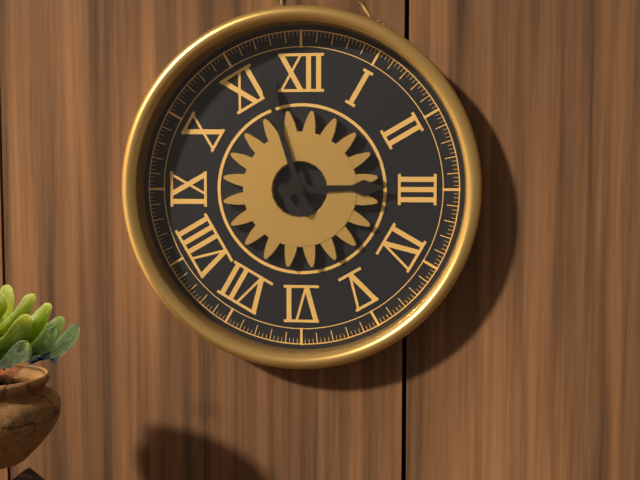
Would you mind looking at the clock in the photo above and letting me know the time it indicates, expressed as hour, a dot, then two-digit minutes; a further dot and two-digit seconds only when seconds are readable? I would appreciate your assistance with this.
2.57
